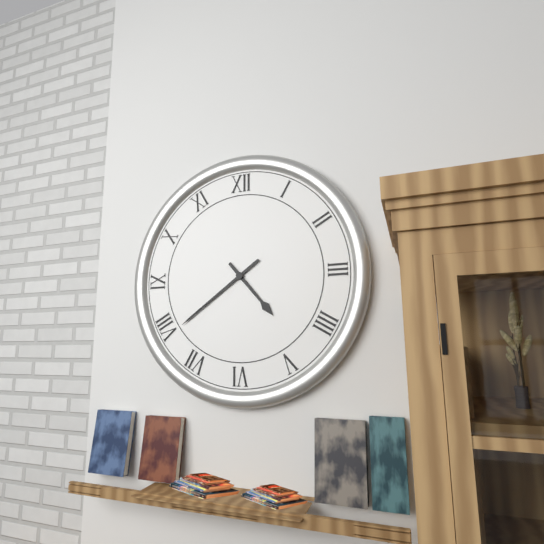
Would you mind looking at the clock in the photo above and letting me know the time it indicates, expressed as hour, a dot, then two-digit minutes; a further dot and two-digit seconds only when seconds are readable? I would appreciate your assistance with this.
4.39
